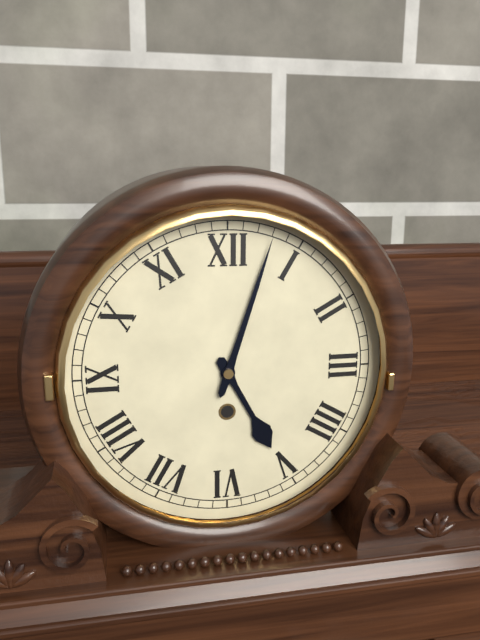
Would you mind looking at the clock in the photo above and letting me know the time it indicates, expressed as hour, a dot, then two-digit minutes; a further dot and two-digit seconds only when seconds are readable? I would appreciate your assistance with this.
5.03
